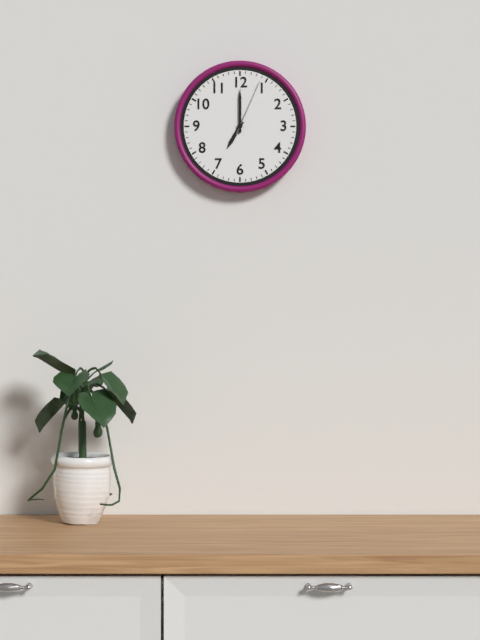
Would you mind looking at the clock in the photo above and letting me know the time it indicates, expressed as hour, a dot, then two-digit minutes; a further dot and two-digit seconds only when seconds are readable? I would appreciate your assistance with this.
7.00.04
